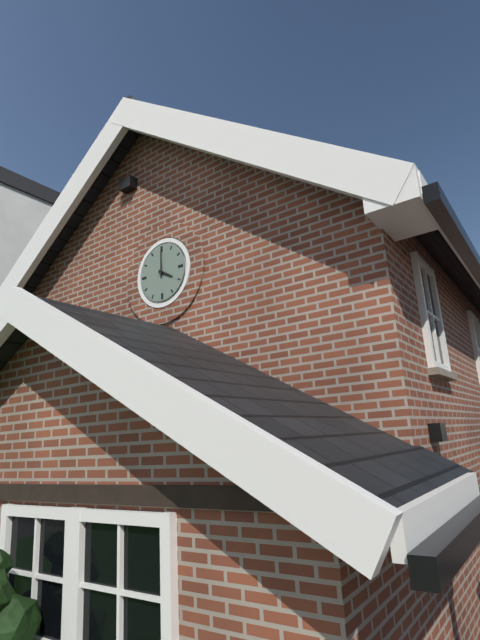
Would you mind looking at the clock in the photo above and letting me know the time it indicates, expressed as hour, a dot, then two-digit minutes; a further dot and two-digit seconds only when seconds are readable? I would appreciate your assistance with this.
4.00
